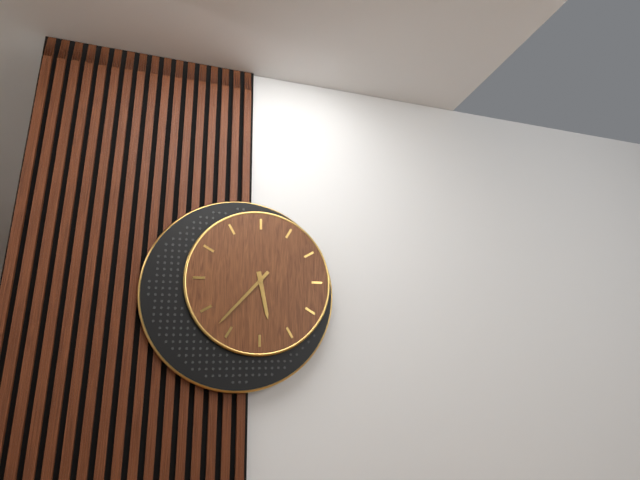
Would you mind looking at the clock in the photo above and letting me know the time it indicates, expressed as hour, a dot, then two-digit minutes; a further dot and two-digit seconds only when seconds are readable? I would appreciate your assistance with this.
5.37
